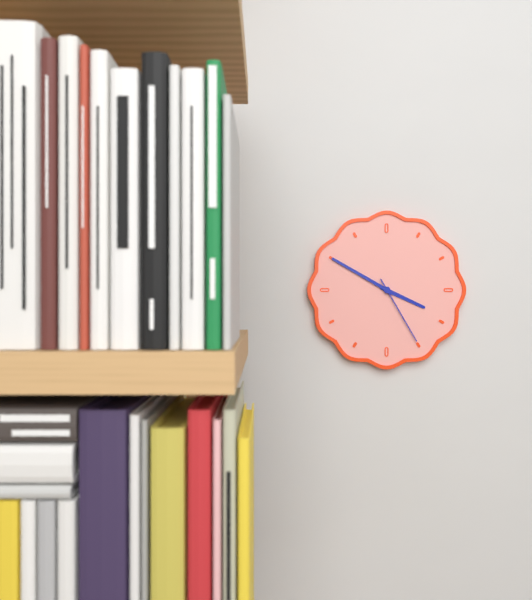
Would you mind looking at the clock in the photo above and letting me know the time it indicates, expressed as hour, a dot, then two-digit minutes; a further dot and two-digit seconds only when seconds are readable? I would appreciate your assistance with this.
3.50.25
